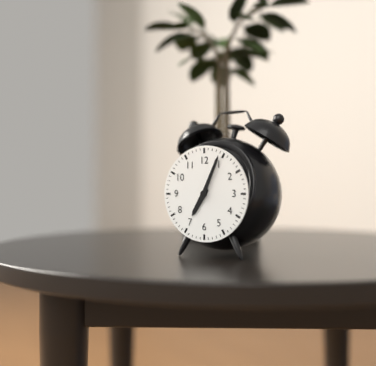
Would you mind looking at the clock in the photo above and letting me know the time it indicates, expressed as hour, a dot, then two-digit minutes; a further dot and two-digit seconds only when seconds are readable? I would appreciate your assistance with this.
7.04
